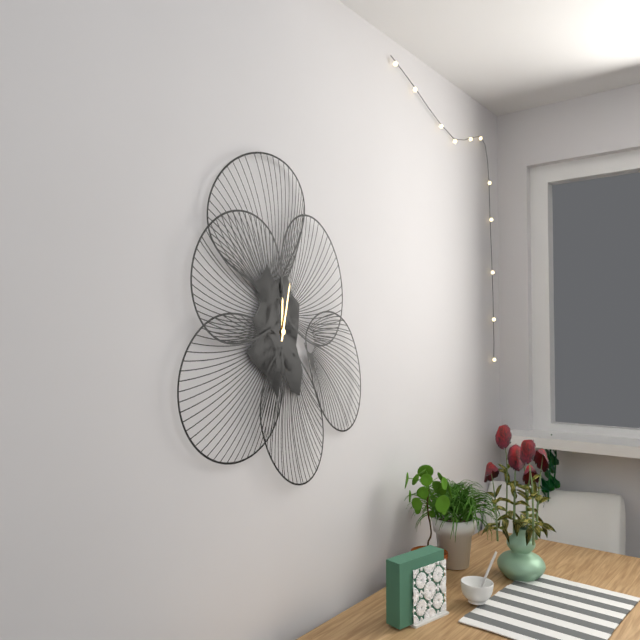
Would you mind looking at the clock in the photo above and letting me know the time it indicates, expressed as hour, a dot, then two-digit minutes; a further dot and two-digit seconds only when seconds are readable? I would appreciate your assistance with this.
12.02
